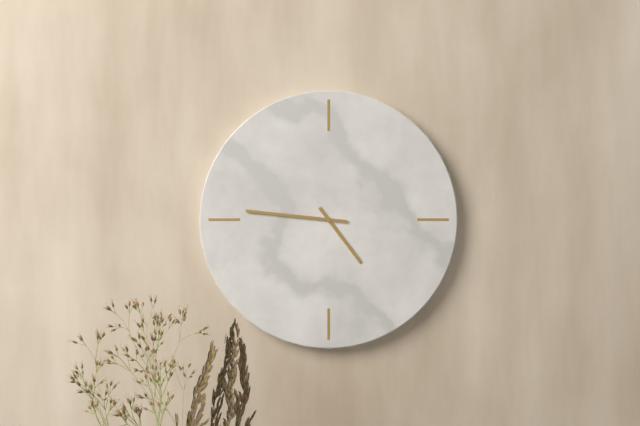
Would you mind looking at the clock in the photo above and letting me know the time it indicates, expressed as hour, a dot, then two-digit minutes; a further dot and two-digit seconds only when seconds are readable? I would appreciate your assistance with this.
4.46
